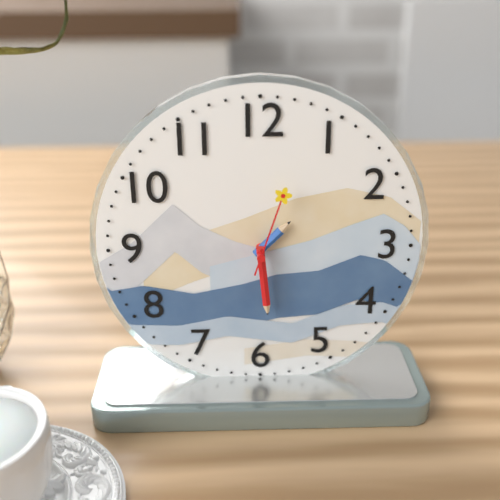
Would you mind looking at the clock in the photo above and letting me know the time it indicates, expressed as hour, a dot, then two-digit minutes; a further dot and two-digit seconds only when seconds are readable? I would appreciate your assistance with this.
1.29.03
